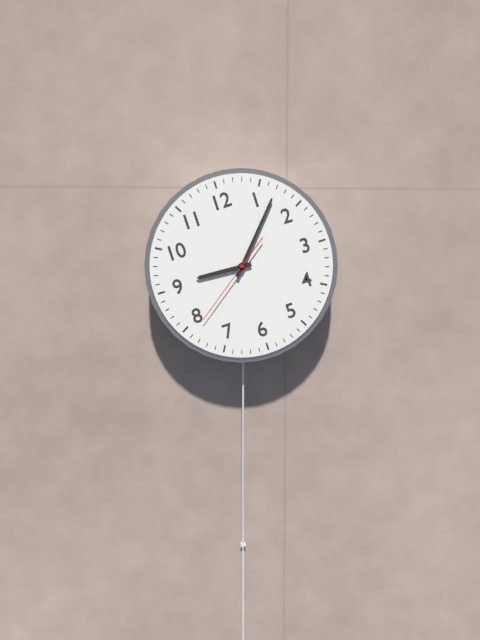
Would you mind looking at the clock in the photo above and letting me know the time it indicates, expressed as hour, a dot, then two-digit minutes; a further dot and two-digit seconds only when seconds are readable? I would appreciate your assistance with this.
9.07.39
